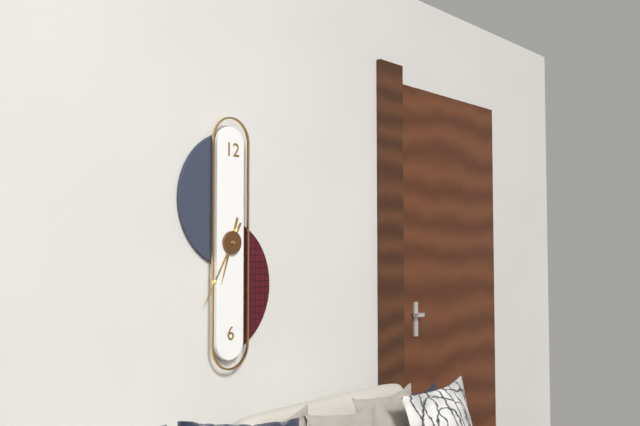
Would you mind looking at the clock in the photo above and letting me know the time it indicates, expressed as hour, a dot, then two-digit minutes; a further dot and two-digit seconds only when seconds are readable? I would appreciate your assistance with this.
6.35
